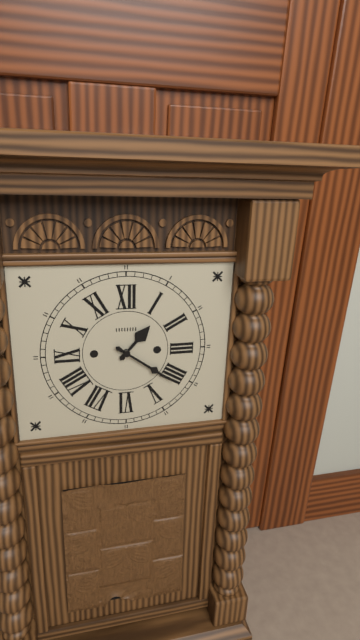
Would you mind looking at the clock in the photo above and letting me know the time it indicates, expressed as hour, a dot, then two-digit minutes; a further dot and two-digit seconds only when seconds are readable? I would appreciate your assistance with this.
1.21
